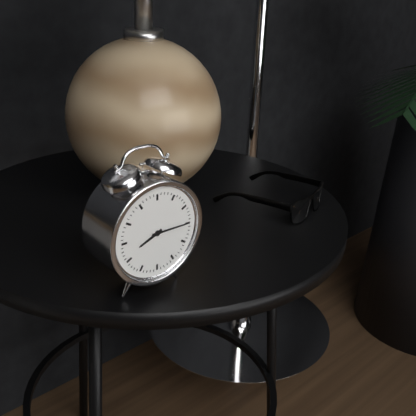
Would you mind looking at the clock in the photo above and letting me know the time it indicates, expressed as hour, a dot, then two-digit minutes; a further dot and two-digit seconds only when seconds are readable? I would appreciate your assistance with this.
8.15
